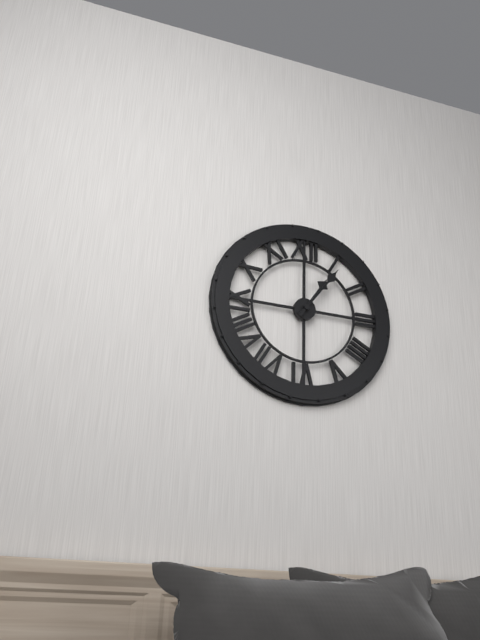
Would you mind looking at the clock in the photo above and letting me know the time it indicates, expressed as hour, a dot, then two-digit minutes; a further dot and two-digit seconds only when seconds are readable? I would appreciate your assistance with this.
1.06
